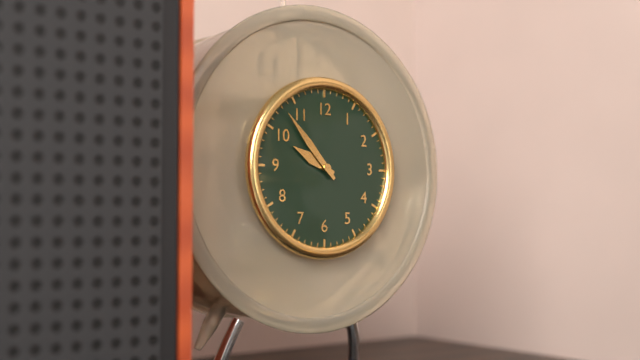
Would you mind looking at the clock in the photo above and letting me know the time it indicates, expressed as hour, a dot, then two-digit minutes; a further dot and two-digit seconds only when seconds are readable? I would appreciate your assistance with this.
9.53
